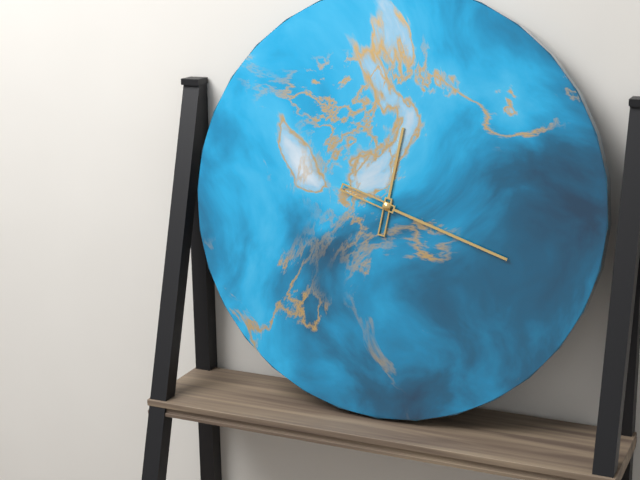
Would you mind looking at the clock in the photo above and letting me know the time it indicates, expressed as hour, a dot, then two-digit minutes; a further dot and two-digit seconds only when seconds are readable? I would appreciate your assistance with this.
12.18
